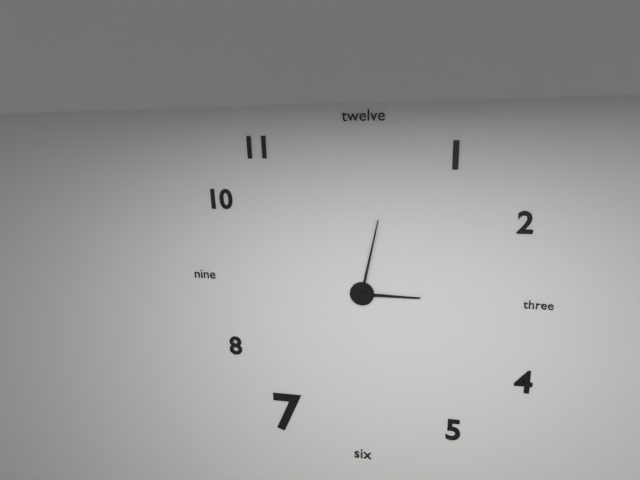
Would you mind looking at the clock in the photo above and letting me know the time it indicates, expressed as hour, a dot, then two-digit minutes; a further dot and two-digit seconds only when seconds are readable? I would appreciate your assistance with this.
3.02
